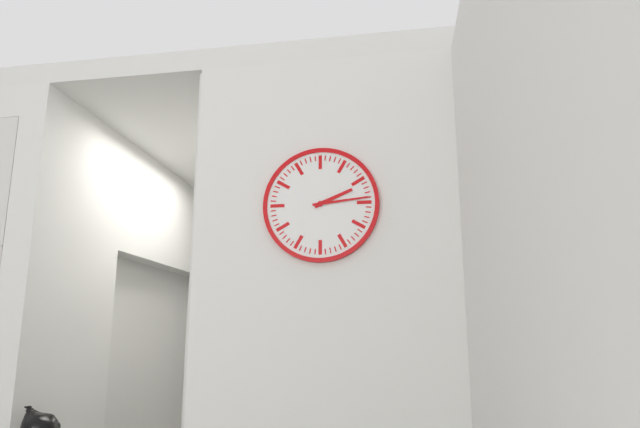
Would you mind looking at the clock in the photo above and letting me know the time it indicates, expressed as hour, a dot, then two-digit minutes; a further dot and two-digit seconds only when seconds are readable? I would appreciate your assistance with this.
2.14
